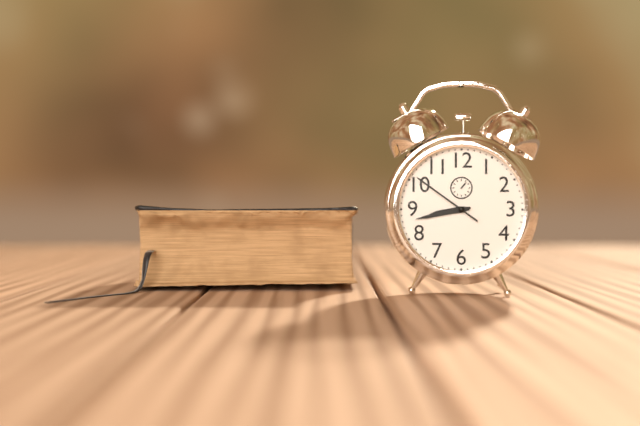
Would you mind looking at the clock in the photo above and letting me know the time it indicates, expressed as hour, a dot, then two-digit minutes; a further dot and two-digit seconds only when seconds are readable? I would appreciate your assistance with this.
8.43.51
